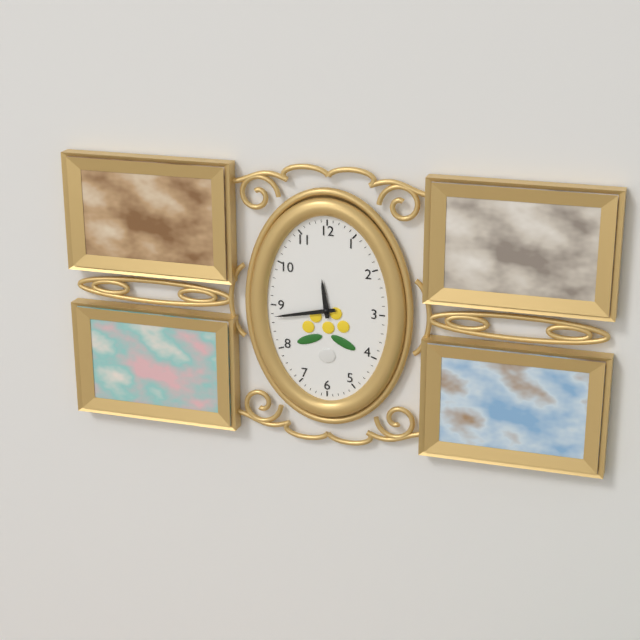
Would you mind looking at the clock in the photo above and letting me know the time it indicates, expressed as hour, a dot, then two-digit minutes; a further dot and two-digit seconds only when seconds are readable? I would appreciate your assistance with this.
11.43
